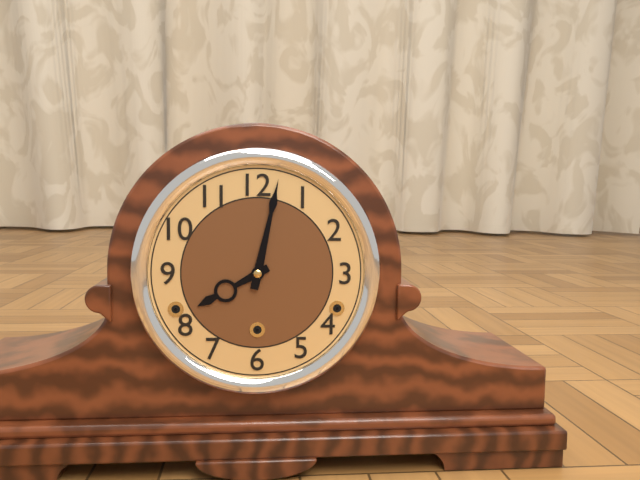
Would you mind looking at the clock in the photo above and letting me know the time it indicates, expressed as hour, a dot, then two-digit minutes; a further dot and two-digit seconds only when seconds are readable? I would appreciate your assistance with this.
8.02
